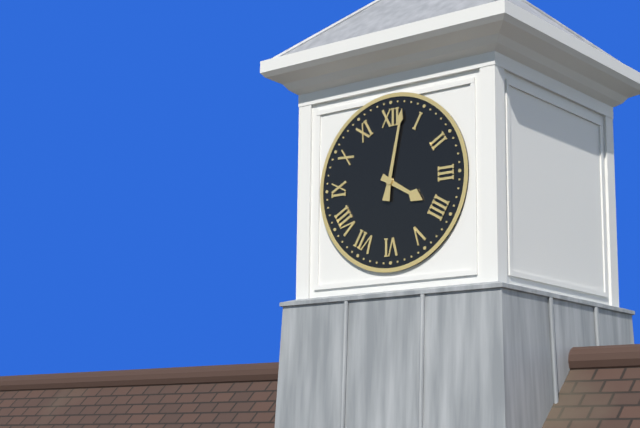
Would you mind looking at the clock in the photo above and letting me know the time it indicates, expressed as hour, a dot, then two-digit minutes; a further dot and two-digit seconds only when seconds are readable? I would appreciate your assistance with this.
4.02
